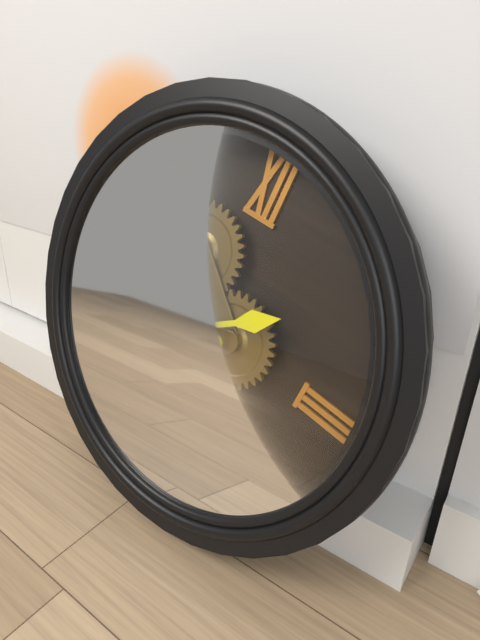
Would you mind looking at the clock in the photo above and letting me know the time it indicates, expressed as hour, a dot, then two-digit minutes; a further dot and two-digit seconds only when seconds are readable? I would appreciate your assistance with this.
1.44
